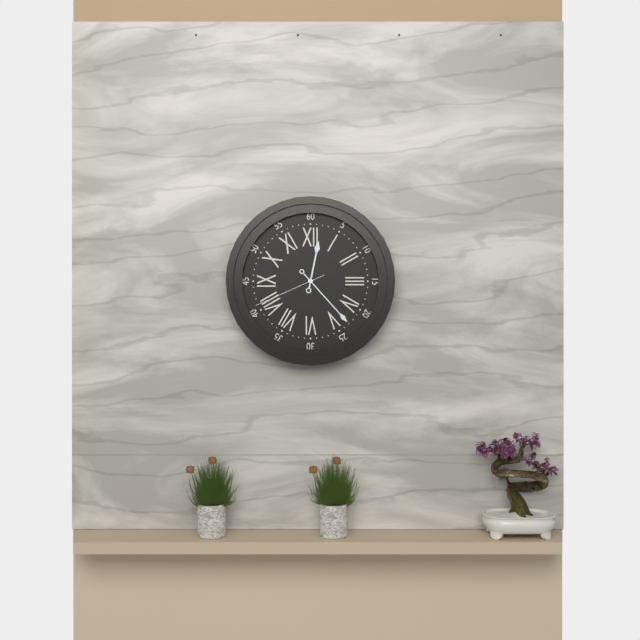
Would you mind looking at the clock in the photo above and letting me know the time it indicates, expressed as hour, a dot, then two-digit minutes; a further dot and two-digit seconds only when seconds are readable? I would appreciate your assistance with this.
12.23.41
